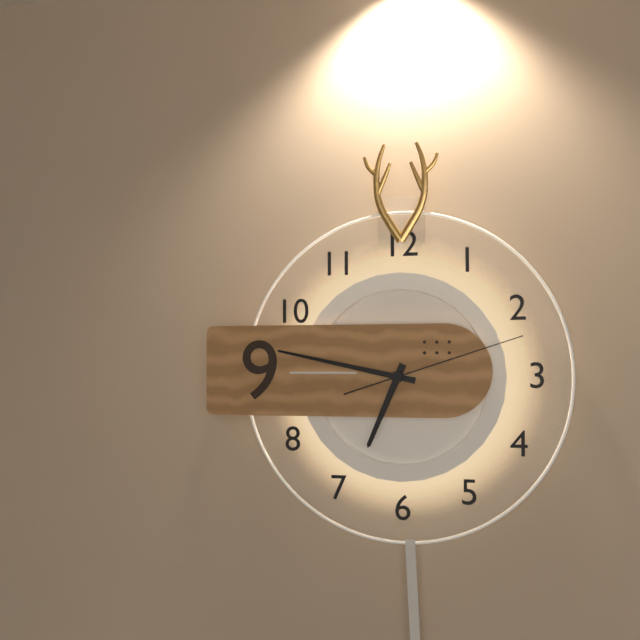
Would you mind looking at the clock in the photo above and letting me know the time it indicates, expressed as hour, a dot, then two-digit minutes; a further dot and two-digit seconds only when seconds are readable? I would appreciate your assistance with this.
6.47.12
